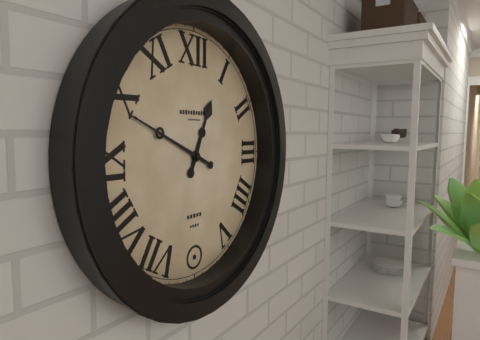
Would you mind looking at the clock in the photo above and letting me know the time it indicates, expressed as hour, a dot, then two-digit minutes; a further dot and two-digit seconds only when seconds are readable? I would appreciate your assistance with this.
12.49
